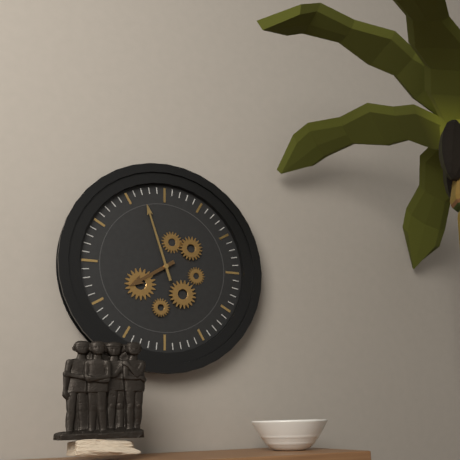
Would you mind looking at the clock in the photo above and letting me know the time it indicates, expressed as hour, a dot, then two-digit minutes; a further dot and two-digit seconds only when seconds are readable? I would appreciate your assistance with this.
7.57
